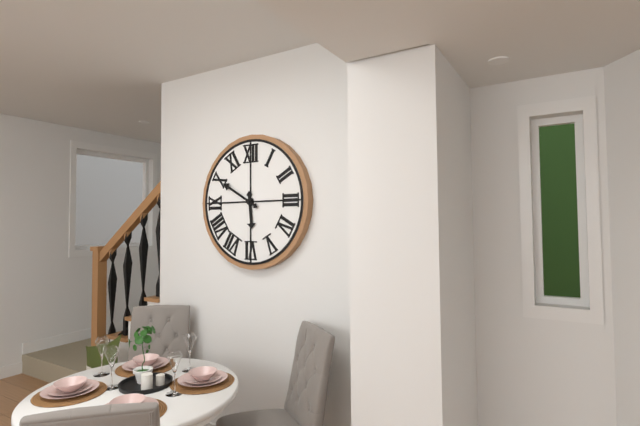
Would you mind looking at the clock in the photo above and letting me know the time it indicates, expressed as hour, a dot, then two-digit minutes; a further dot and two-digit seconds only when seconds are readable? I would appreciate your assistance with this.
5.50
